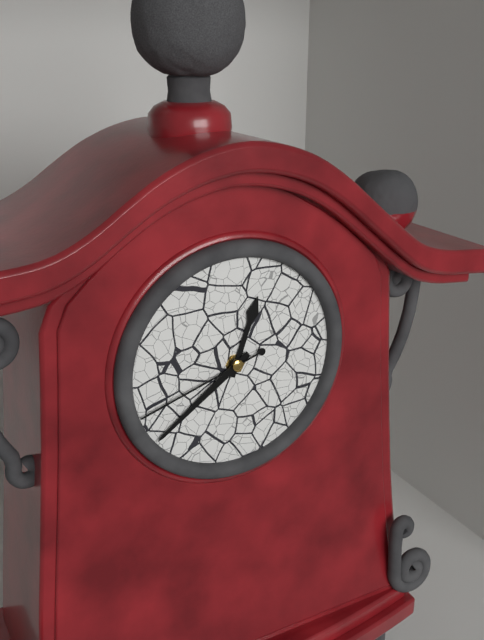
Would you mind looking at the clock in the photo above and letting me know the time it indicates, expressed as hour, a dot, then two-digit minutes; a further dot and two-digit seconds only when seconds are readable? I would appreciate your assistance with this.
12.39.42
